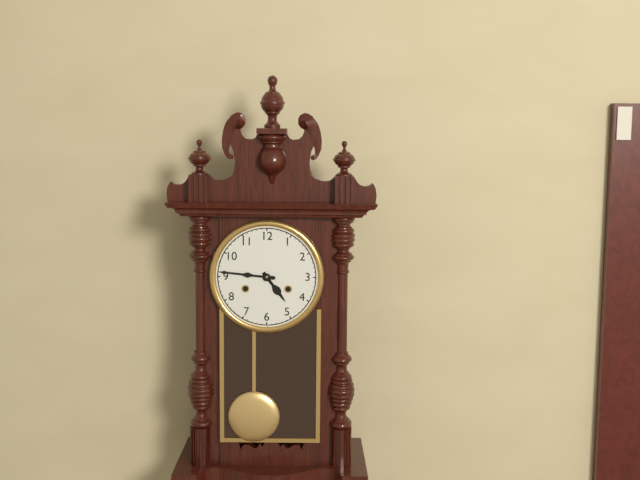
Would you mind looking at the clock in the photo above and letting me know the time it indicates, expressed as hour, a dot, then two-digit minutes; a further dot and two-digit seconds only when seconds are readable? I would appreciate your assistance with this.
4.46
